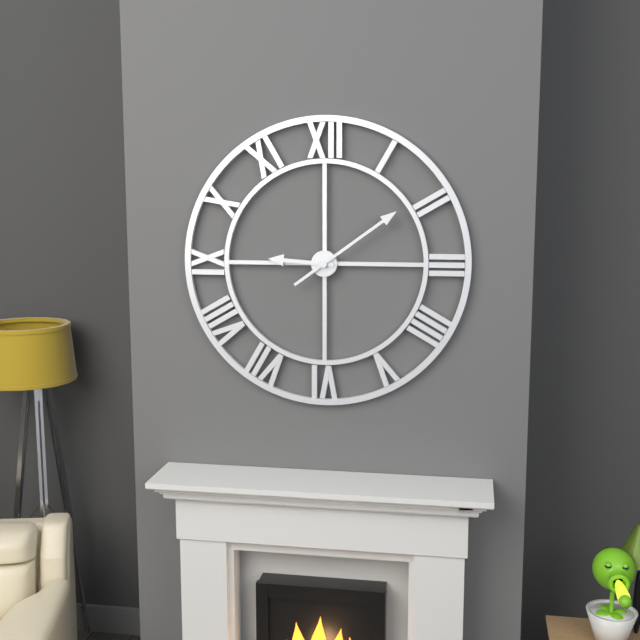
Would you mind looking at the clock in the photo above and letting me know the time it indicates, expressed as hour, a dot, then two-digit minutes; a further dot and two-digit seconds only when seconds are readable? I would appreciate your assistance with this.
9.09
